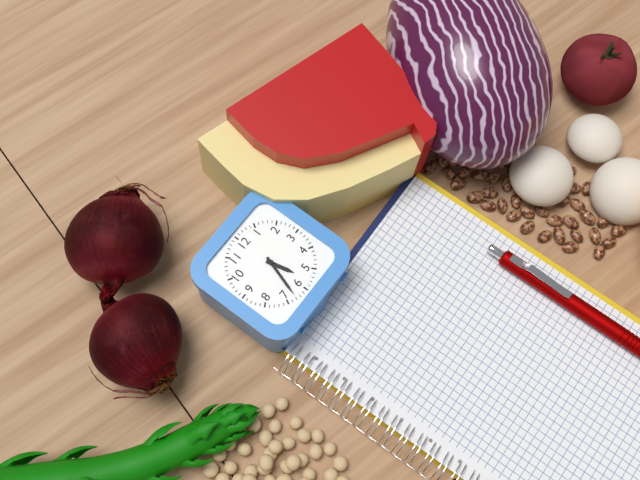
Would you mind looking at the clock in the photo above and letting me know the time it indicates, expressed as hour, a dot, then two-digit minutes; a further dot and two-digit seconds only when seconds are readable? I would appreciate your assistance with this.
5.33
